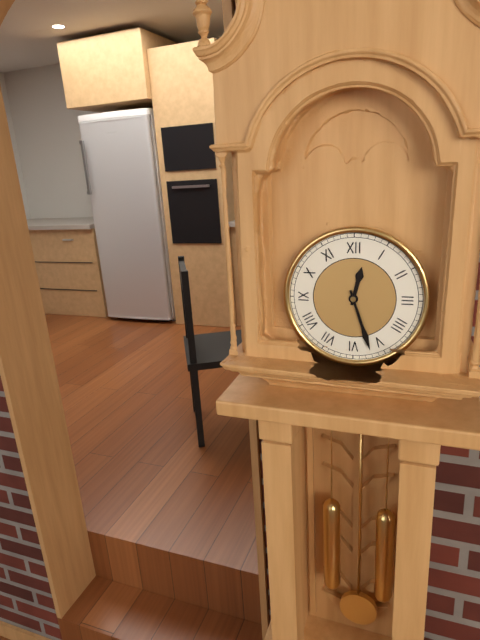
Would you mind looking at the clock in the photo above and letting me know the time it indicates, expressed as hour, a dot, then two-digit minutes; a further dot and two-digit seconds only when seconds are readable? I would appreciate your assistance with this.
12.27
